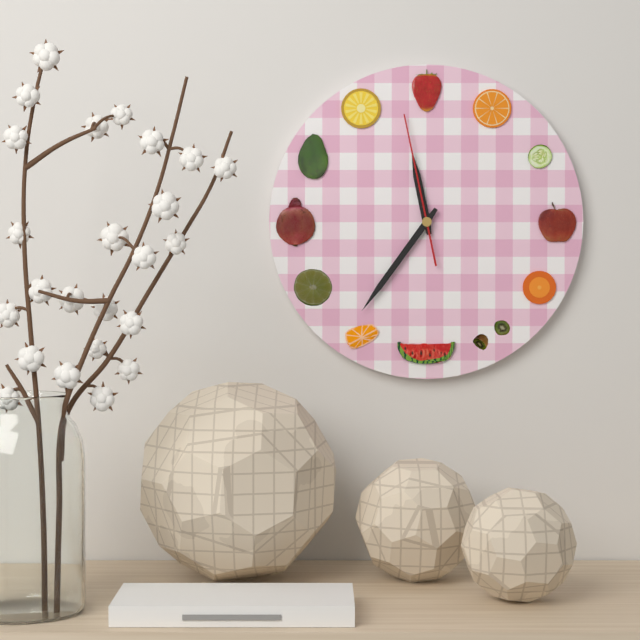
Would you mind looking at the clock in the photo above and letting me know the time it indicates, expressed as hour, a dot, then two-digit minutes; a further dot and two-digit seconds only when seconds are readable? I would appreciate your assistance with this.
11.36.58
